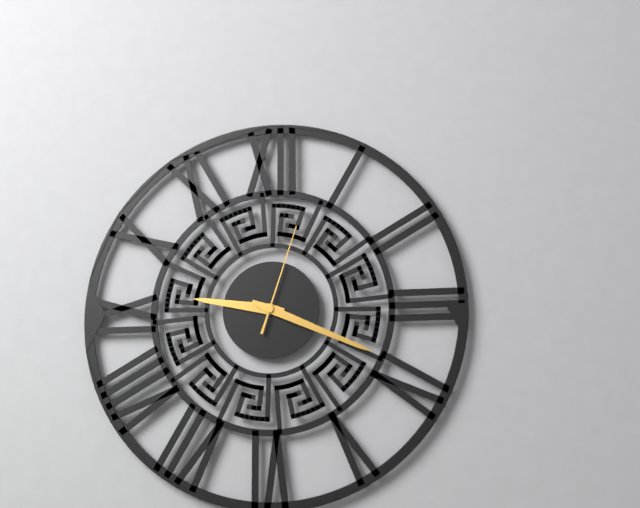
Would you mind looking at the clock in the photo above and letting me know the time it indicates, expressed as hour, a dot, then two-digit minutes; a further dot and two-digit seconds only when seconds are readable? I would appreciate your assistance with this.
9.19.03
